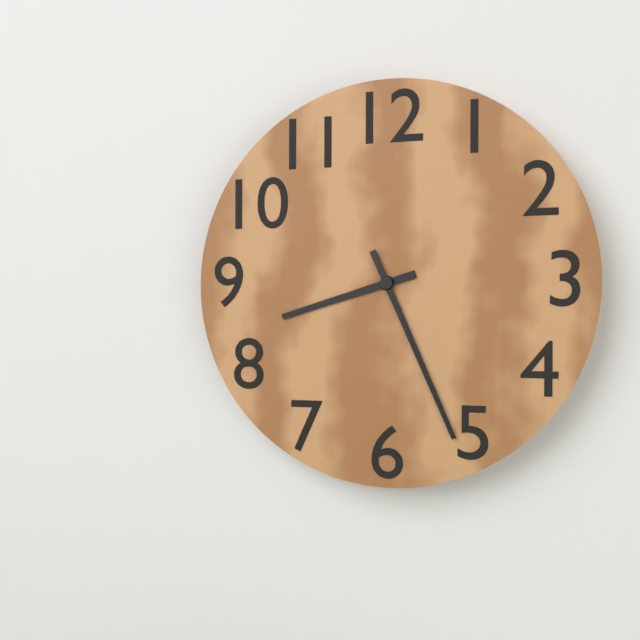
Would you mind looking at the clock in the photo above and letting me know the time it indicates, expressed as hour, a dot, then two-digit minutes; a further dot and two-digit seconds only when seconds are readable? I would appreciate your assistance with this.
8.26
